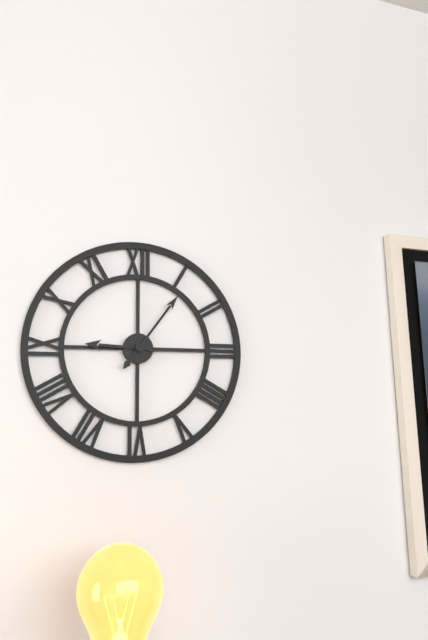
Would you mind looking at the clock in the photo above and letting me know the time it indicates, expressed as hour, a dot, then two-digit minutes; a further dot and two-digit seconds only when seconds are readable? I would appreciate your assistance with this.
9.06
